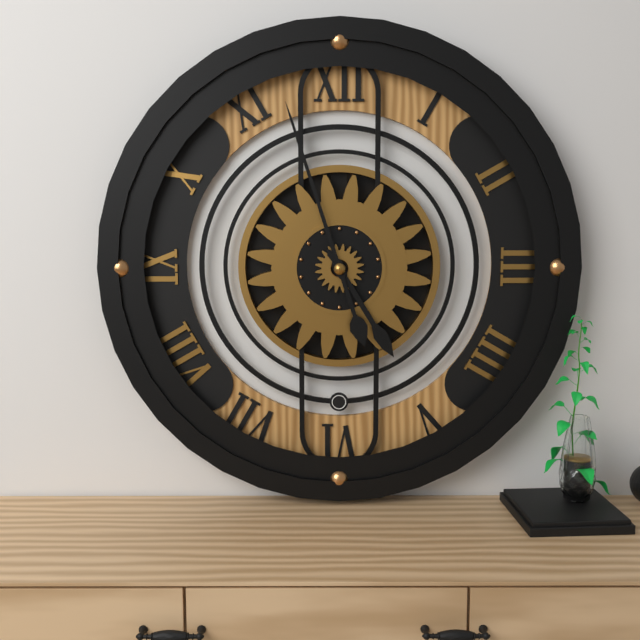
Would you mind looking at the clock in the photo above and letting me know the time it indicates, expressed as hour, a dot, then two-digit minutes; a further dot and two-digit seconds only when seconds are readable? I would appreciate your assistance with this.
4.57
